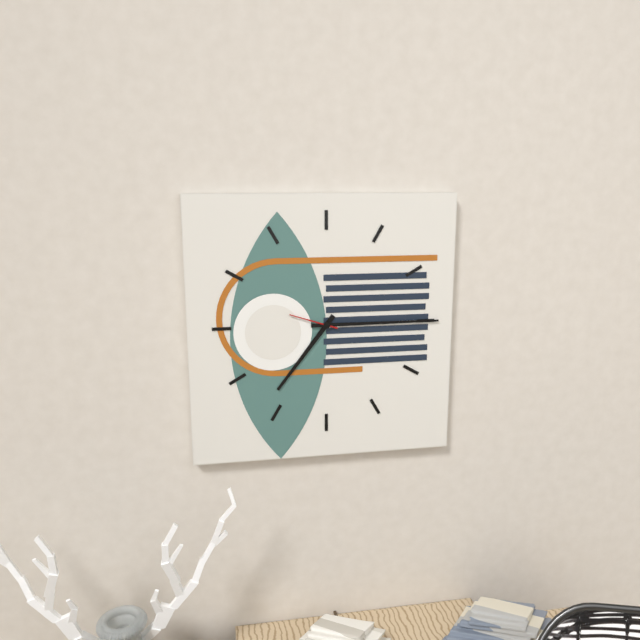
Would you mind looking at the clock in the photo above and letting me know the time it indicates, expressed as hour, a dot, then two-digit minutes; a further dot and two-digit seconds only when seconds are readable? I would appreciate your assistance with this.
7.15
